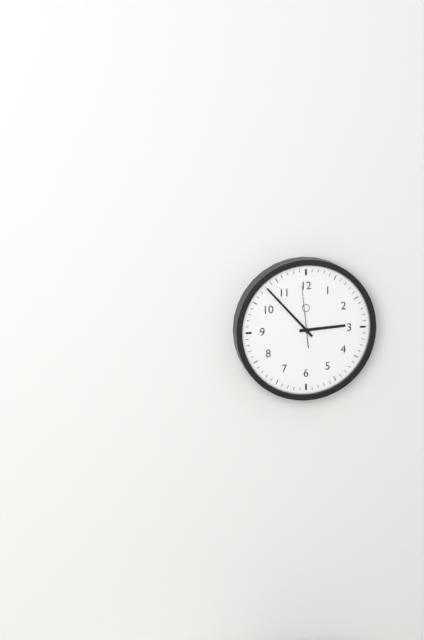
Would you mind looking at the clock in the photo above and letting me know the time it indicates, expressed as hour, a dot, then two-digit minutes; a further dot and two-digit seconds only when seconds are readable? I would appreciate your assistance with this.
2.53.59
